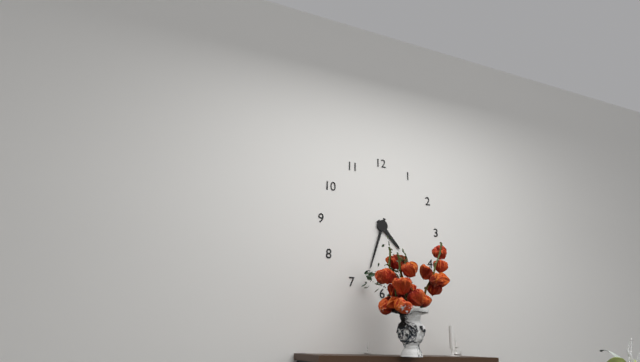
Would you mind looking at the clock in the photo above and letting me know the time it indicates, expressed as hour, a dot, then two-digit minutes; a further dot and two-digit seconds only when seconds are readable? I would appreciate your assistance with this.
4.33
